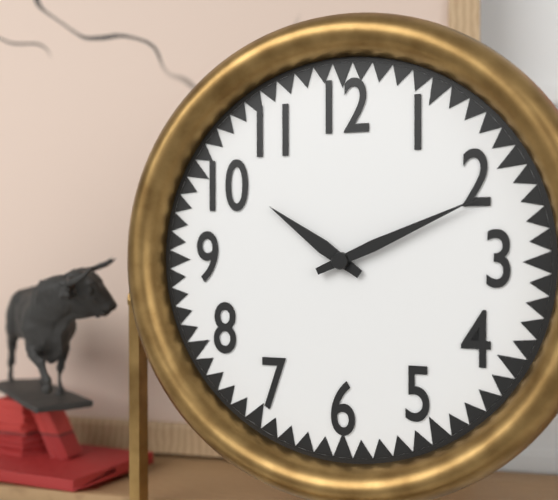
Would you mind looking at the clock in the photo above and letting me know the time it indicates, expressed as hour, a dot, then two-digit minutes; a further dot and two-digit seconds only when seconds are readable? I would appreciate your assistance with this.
10.11
